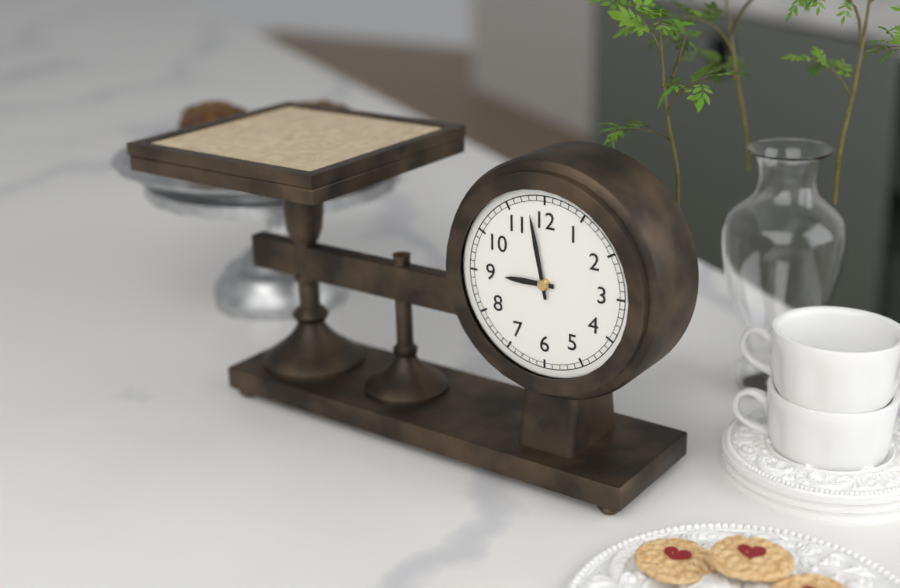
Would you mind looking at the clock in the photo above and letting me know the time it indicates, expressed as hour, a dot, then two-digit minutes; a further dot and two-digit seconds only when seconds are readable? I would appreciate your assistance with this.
8.58
